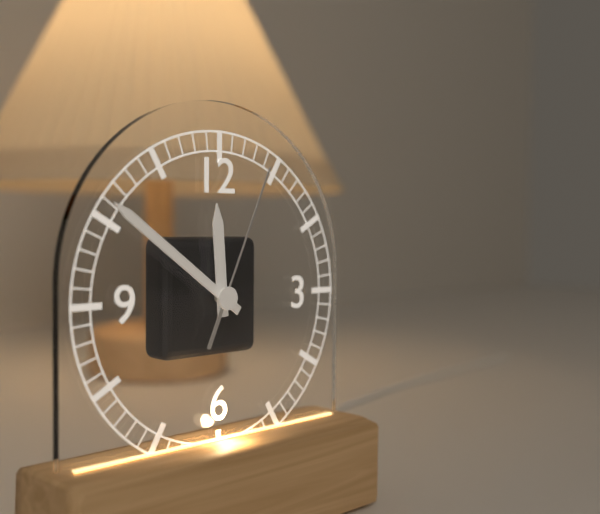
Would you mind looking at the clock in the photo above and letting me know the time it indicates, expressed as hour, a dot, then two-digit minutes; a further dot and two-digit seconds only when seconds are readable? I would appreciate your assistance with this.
11.51.04
